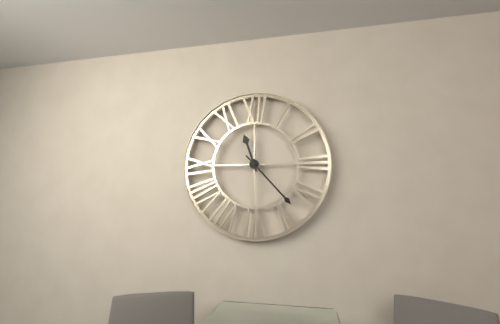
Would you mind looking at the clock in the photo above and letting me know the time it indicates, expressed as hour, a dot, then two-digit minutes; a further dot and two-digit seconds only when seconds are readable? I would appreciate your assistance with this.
11.23
